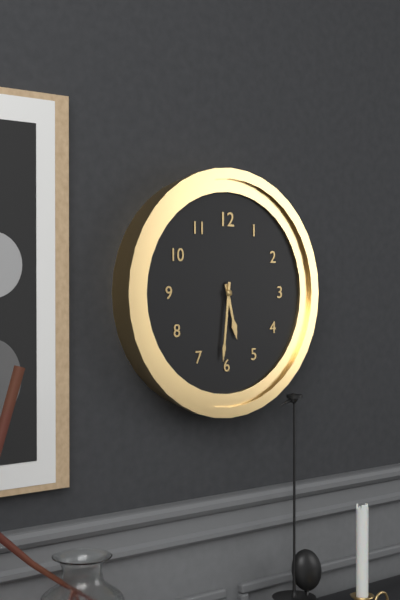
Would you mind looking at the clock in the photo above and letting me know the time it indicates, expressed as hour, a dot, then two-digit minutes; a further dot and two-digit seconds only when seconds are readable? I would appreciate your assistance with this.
5.31
